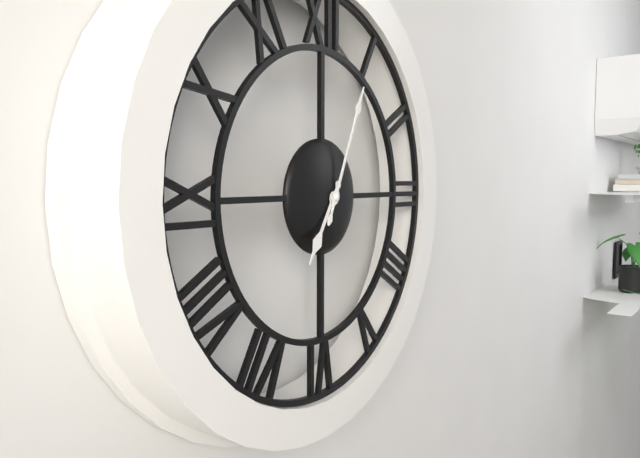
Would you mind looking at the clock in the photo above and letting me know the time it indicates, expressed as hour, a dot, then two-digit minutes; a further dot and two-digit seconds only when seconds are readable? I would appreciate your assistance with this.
7.04
